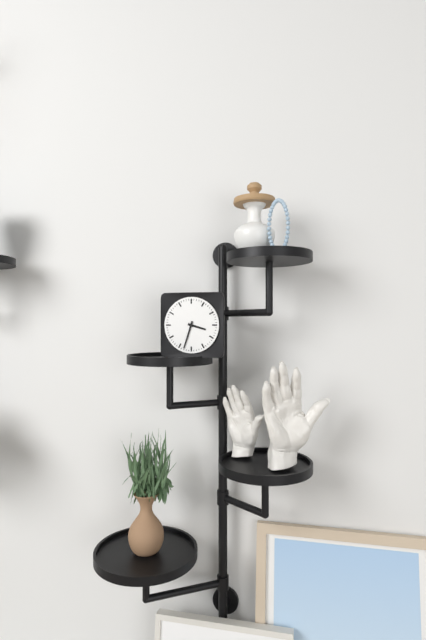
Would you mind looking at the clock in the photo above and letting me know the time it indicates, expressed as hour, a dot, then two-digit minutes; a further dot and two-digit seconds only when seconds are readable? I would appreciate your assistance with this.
3.33
